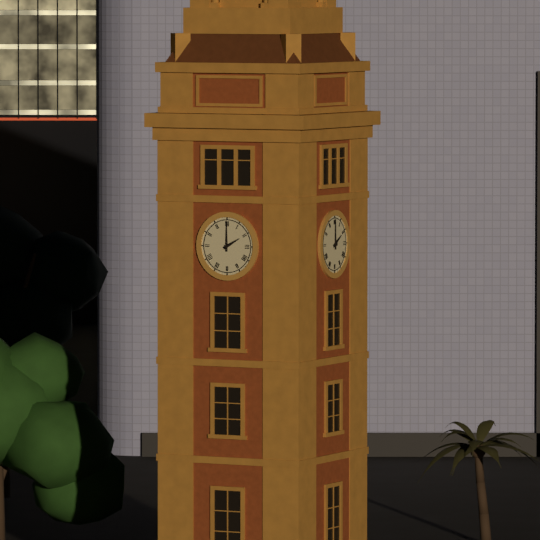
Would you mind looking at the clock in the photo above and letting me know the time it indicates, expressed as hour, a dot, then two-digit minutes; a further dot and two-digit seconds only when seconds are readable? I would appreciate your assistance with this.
2.00
